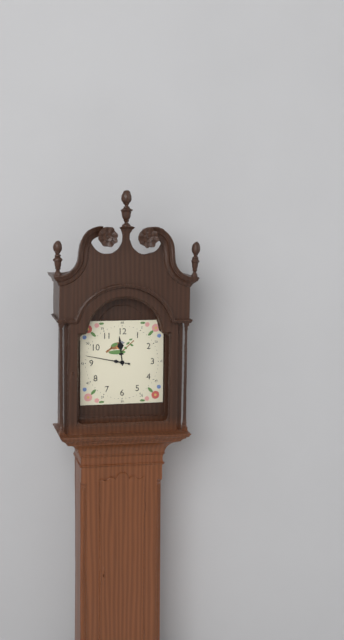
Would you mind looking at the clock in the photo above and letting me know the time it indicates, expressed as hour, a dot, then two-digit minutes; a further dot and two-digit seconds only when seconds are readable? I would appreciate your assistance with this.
11.47
